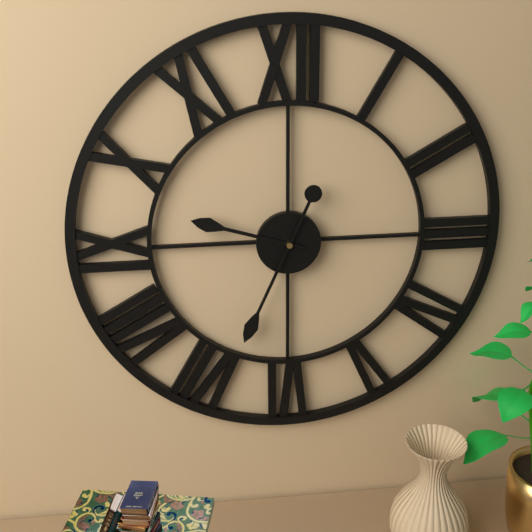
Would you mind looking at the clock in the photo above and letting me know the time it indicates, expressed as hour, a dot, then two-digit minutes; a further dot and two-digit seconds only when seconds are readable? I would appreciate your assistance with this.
9.34
